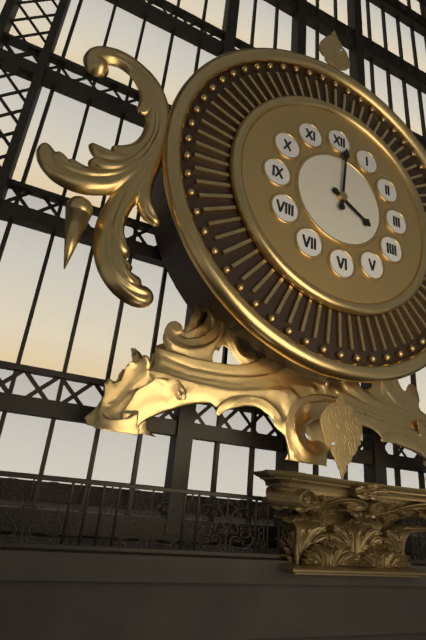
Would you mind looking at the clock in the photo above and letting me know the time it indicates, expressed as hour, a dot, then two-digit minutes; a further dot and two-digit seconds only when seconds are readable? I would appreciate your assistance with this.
4.01
